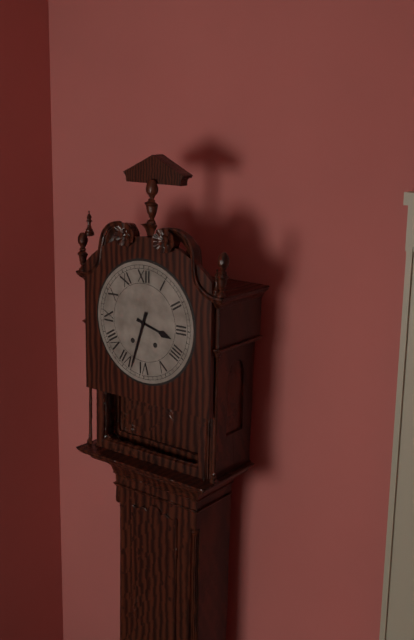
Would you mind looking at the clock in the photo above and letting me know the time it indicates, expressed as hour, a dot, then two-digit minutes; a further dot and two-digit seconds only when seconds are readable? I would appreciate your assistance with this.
3.33
